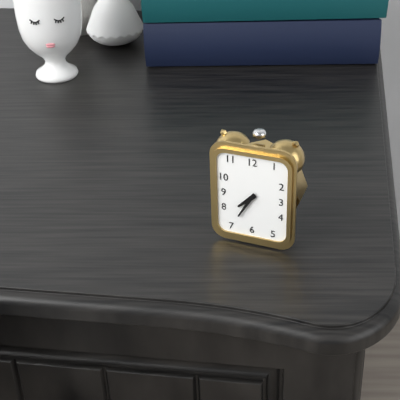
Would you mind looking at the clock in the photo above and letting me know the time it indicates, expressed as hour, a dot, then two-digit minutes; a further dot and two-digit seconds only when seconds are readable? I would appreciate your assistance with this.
7.35
